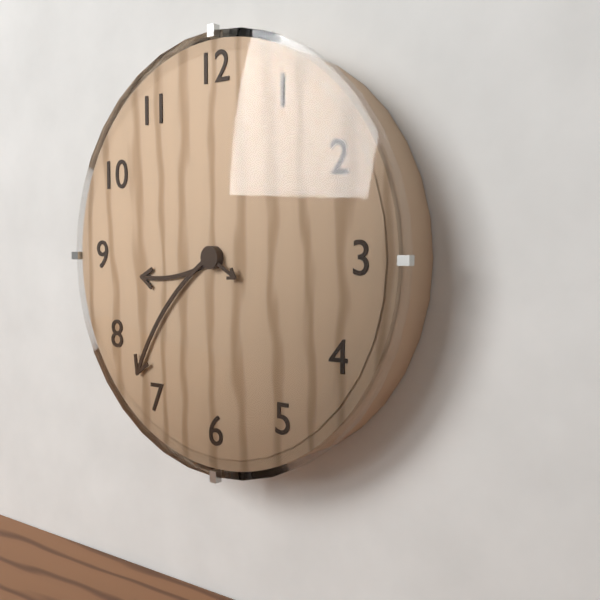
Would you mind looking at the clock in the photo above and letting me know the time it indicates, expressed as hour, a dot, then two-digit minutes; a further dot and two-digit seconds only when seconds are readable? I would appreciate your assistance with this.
8.37
